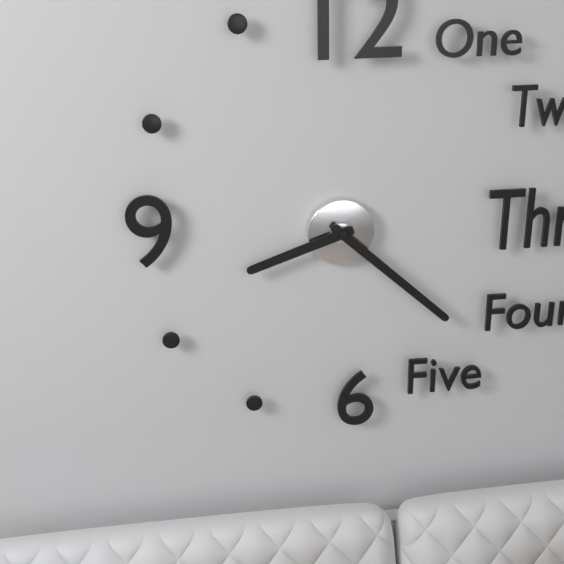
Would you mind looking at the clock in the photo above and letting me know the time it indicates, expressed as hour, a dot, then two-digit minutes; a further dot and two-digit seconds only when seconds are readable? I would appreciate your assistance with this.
8.22
